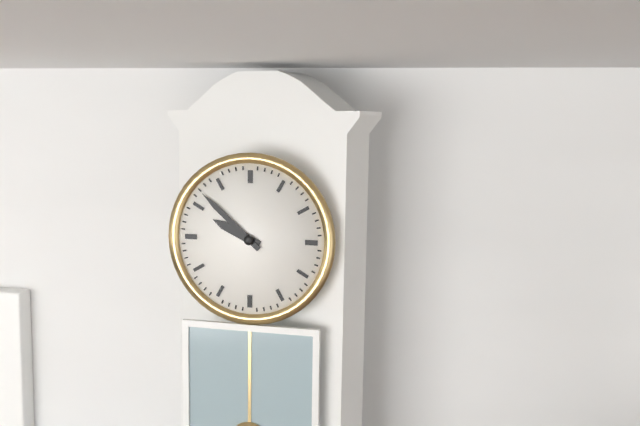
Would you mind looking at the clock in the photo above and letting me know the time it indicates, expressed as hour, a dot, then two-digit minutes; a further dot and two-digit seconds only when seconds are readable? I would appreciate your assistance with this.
9.52
